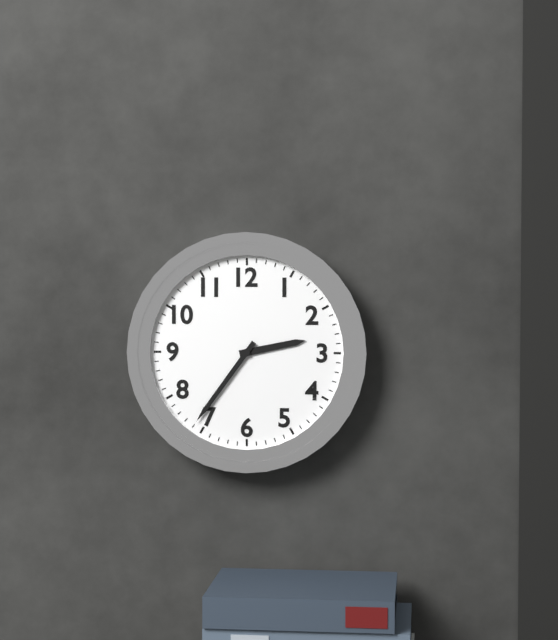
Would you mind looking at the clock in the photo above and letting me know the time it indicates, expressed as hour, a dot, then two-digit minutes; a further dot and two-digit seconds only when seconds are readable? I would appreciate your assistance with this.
2.36
